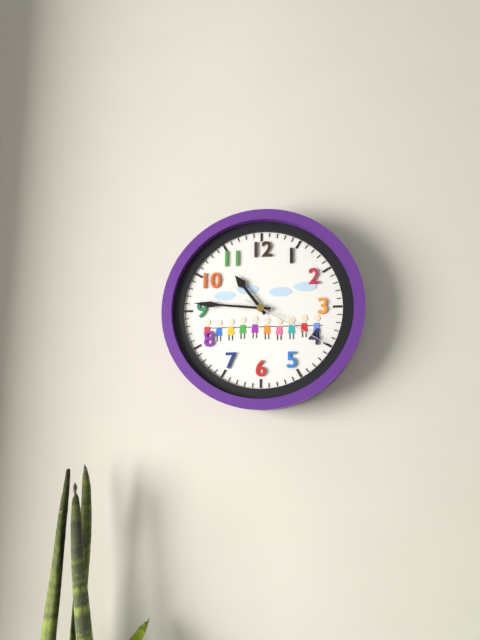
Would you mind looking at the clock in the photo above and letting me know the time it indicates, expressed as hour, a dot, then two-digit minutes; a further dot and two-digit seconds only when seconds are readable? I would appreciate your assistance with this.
10.46.20
